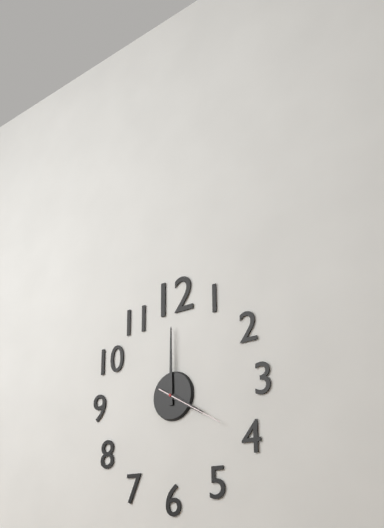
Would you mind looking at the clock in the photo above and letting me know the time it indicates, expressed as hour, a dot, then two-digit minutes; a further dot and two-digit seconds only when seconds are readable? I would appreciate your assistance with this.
4.00.20
